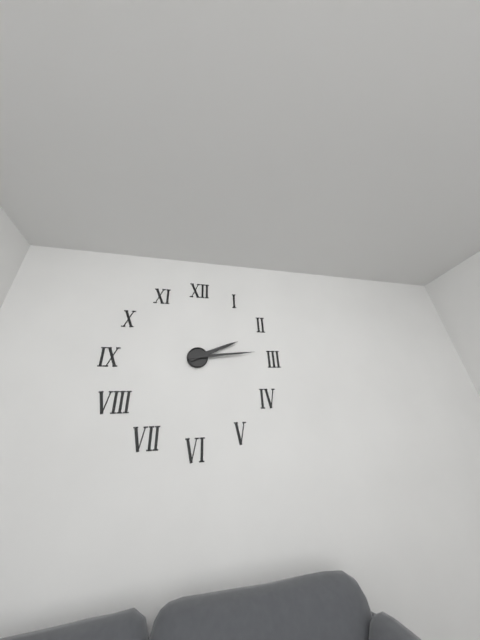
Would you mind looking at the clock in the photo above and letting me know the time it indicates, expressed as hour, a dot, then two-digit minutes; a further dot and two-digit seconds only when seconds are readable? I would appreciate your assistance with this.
2.14
